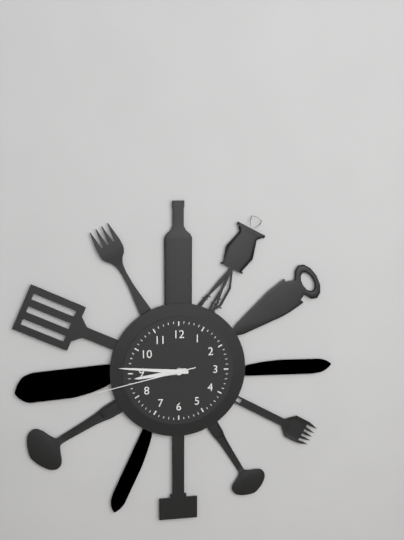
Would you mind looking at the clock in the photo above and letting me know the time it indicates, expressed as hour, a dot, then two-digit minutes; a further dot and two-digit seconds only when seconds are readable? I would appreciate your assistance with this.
8.46.43
